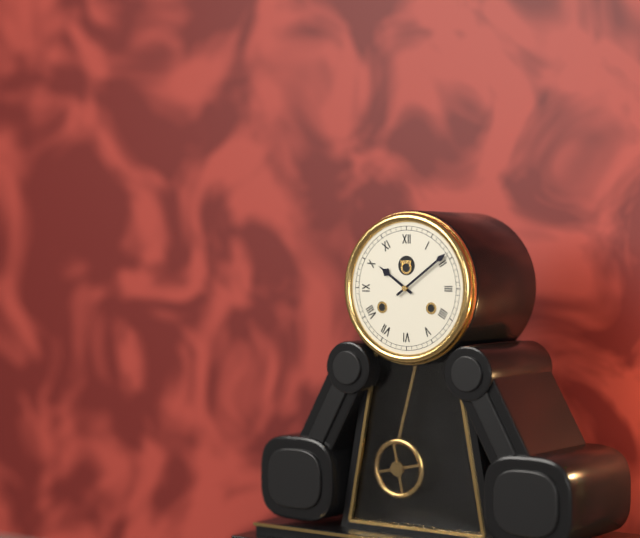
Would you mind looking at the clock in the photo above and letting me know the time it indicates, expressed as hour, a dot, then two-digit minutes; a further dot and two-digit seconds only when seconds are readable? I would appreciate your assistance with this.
10.09
